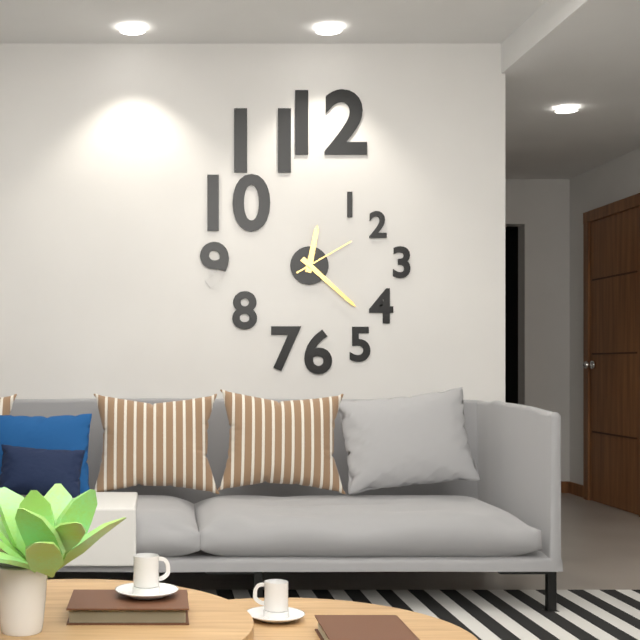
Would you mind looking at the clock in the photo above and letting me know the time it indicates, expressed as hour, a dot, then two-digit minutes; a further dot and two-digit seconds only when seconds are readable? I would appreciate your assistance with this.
12.22.10
